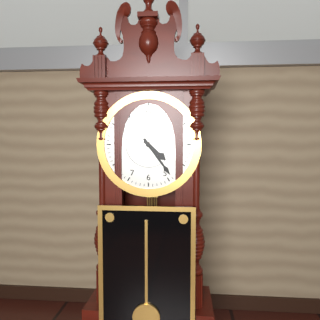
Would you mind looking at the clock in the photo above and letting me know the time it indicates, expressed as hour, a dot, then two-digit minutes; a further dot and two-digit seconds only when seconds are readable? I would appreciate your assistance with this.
4.24
